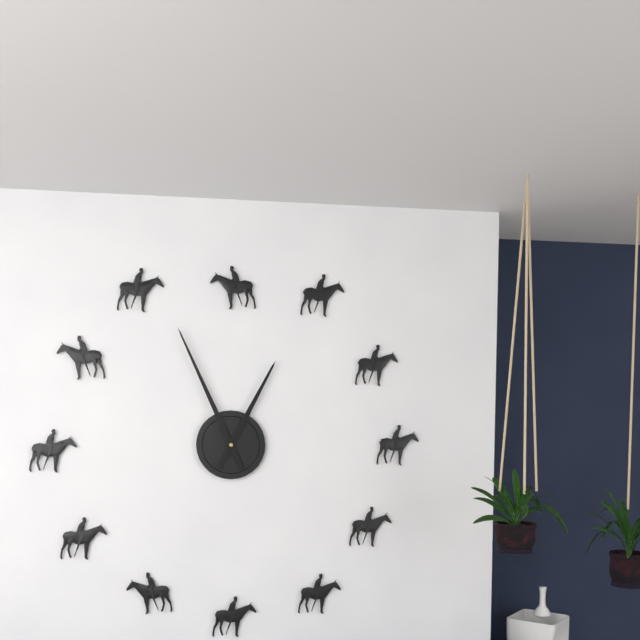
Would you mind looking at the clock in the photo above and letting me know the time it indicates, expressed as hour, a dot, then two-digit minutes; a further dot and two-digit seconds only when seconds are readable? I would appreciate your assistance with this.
12.56
